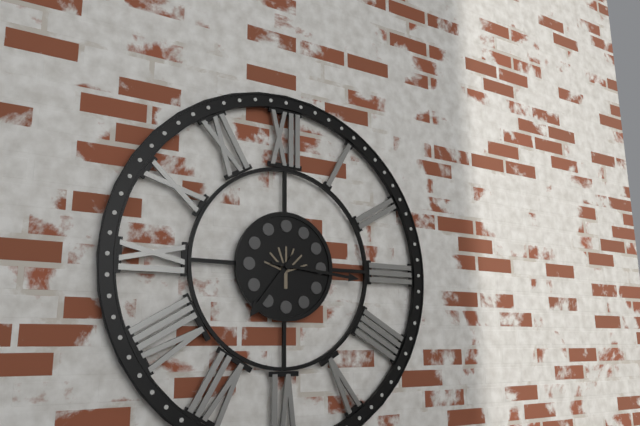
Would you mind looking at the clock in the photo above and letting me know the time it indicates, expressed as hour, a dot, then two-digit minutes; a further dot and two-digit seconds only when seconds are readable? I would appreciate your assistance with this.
7.16
